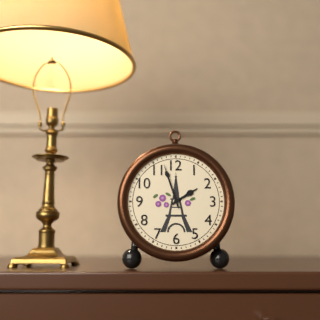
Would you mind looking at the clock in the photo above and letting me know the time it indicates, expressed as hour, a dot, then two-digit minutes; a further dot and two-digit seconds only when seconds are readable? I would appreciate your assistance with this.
1.57
